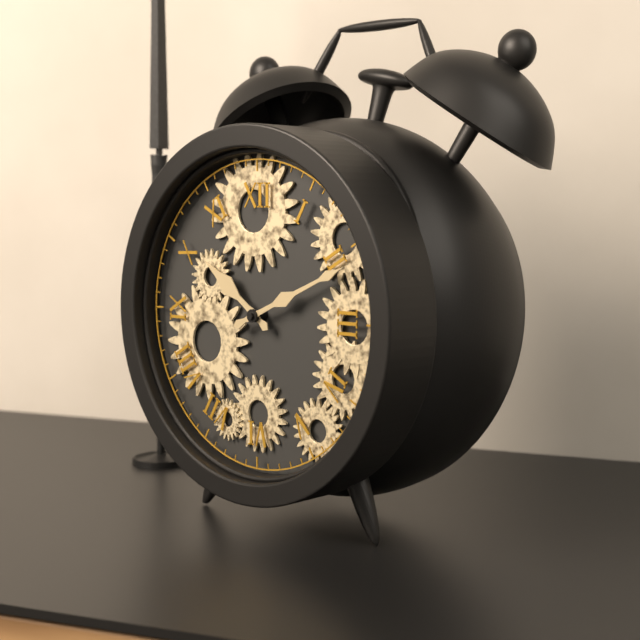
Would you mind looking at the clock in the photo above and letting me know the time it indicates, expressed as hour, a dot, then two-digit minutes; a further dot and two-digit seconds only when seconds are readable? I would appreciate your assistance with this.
10.11
